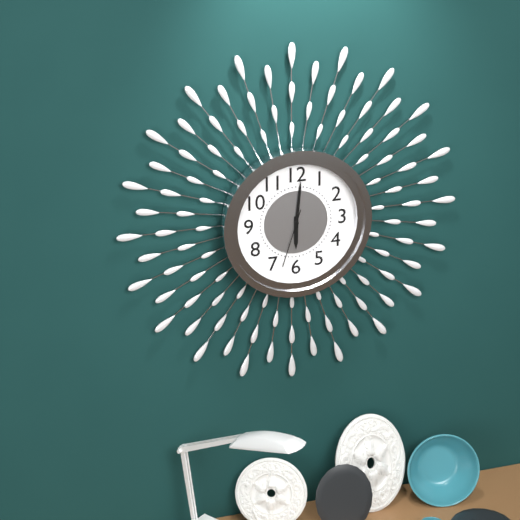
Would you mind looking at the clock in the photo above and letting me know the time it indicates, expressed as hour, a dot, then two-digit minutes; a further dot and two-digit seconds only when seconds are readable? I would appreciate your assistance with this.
6.01.33
